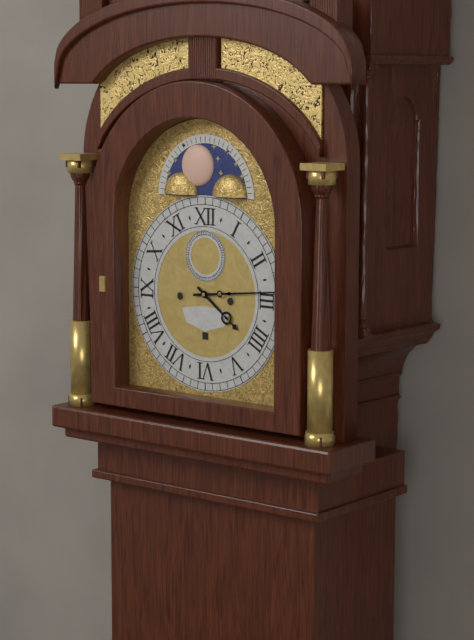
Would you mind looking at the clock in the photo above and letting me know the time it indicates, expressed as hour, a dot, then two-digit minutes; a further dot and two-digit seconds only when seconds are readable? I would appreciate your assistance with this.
4.14
